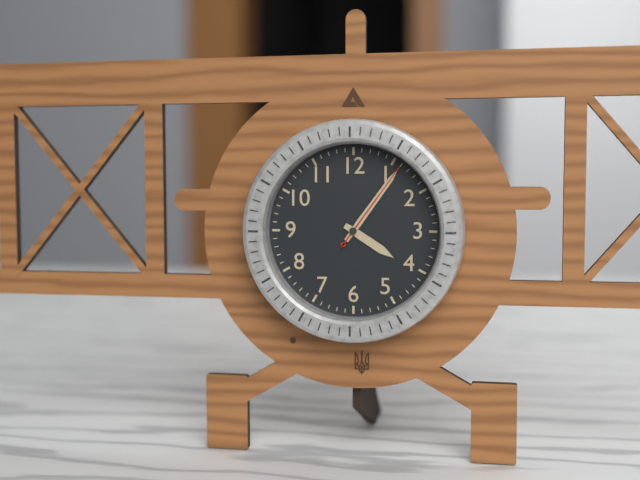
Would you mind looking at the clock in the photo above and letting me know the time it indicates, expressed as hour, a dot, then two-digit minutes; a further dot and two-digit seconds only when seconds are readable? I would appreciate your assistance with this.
4.06.06
